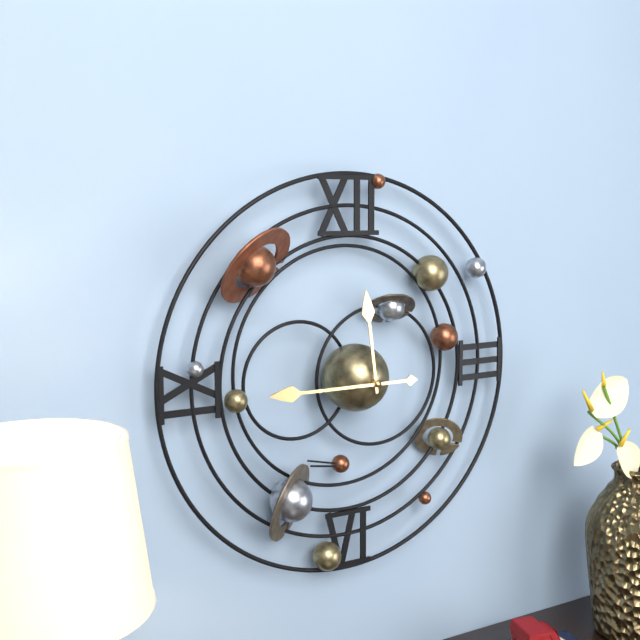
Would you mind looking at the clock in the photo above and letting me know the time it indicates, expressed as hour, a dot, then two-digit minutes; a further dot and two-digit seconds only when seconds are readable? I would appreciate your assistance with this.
11.45
